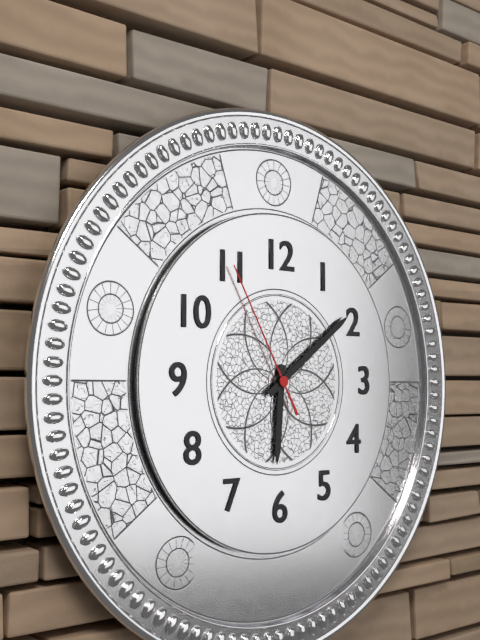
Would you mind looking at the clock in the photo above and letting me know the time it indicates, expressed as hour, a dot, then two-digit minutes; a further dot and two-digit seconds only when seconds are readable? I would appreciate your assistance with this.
6.09.55
